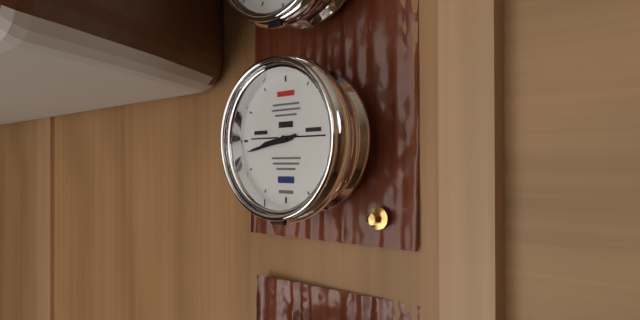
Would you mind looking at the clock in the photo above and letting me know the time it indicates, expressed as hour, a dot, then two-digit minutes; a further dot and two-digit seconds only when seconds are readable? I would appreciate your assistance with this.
8.43
